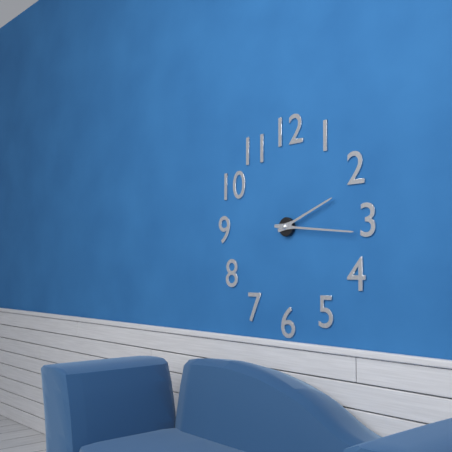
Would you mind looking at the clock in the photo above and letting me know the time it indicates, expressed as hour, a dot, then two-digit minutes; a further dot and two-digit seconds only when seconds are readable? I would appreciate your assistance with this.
2.16
